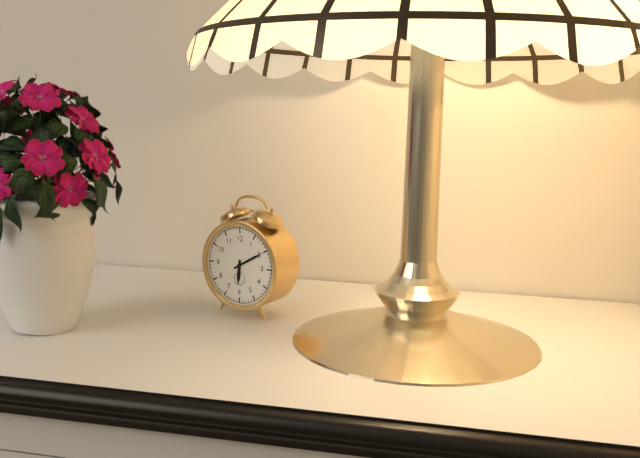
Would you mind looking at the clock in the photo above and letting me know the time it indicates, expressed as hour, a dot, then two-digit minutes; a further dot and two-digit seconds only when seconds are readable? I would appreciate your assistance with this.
6.10
